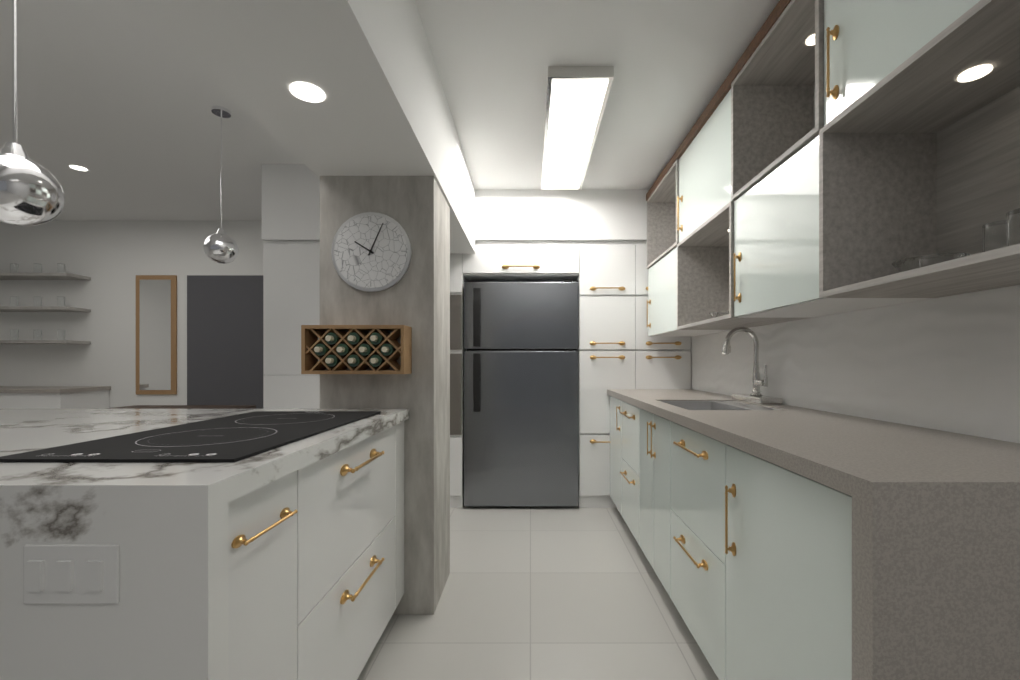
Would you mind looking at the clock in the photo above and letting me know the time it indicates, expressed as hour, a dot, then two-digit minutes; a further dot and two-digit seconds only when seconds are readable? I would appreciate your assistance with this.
10.04
